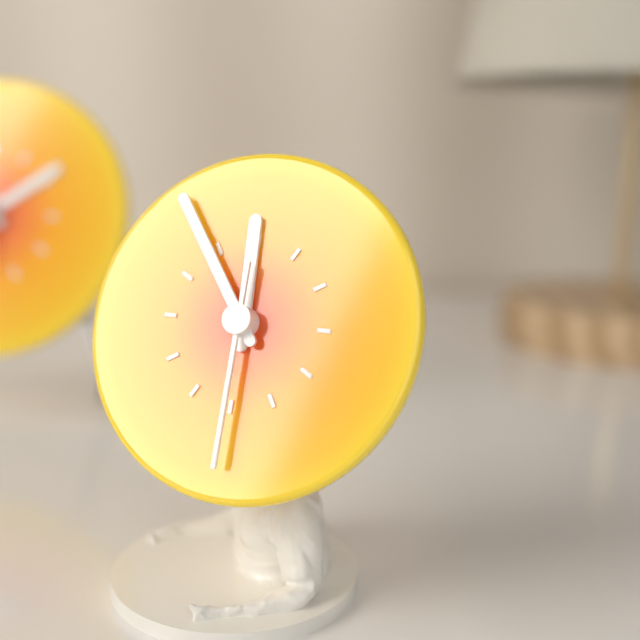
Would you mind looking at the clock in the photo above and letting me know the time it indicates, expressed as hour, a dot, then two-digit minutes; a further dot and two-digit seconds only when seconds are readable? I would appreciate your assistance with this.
11.54.30
